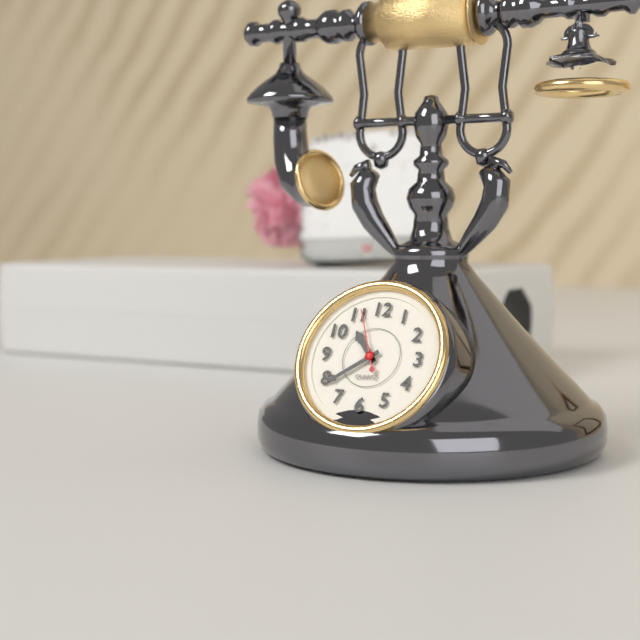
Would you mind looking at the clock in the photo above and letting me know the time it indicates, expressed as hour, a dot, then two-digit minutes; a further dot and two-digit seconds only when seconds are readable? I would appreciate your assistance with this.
10.39.56
